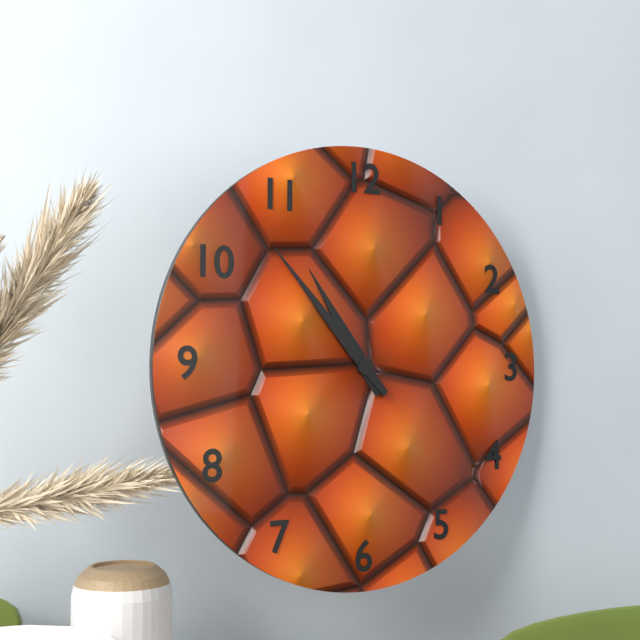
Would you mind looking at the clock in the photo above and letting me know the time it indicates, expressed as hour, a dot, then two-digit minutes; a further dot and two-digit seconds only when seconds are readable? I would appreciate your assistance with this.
10.53
